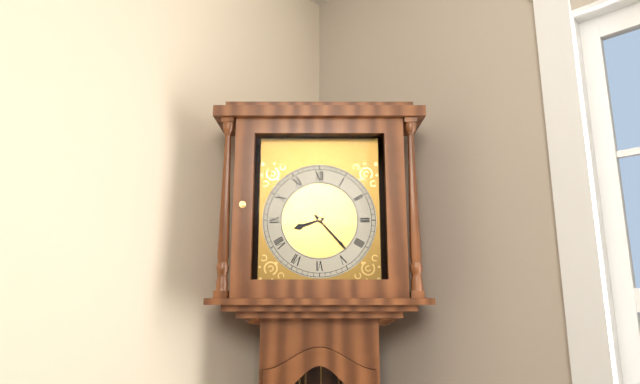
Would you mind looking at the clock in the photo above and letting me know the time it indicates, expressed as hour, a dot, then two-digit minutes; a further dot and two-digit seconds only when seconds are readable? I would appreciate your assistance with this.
8.23
